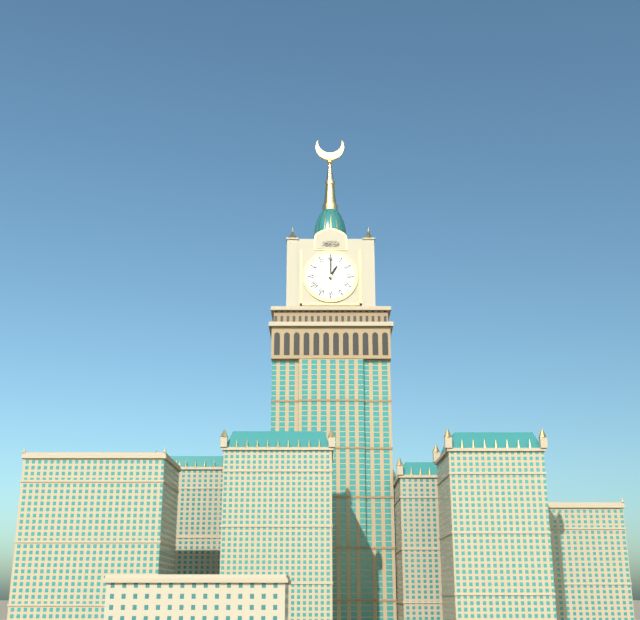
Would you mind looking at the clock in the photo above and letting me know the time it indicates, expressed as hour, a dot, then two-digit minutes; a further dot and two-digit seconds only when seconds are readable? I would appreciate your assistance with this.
1.00
